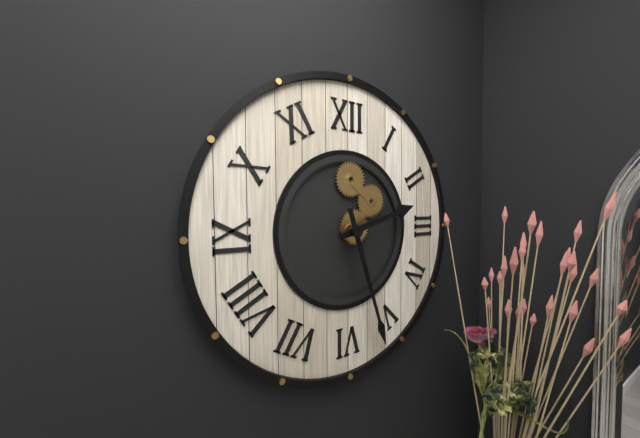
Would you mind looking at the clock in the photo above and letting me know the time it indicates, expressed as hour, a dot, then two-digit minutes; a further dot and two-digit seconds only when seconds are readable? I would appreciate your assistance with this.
2.27
